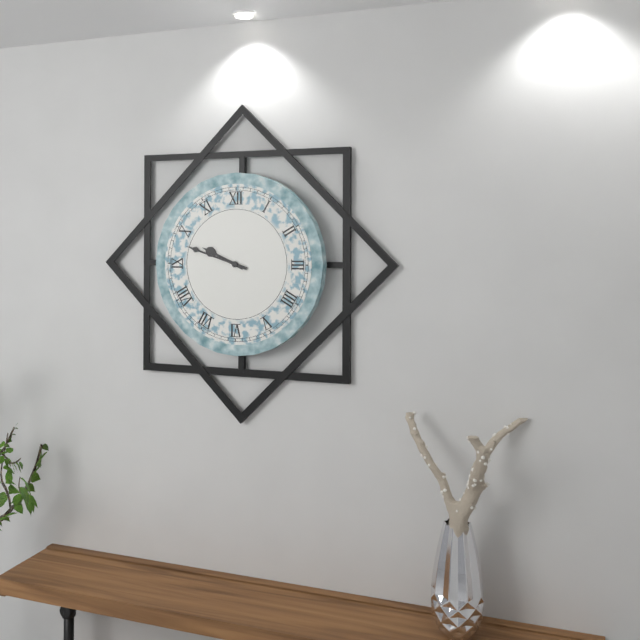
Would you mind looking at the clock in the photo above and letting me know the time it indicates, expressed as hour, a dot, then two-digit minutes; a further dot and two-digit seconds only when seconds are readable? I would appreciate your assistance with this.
9.48
